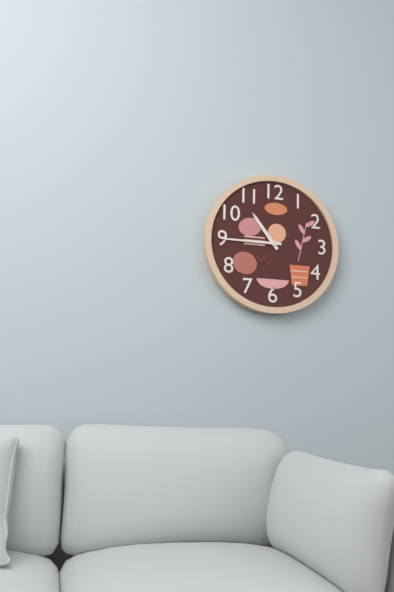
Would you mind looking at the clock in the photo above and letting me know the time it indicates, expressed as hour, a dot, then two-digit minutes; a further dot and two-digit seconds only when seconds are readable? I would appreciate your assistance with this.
10.45
